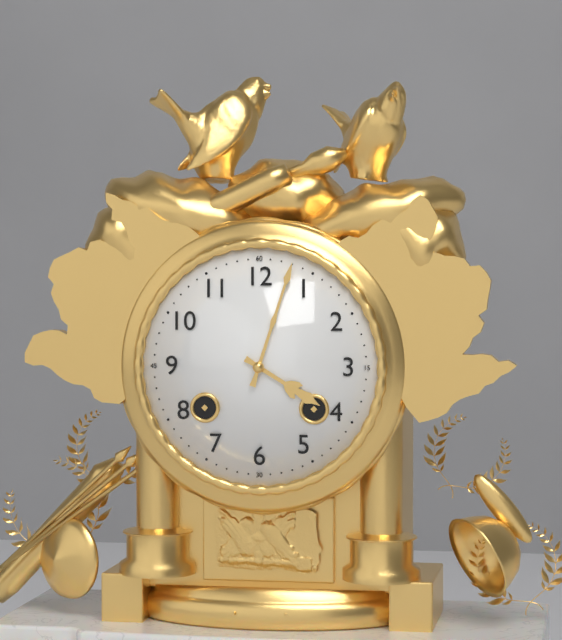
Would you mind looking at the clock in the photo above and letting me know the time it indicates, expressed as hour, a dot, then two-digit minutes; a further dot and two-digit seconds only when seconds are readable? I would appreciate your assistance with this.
4.03
